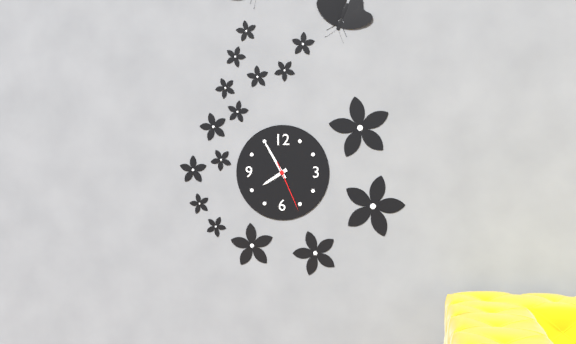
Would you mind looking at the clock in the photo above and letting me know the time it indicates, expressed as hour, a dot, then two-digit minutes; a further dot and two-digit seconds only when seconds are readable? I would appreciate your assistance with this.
7.55.26
